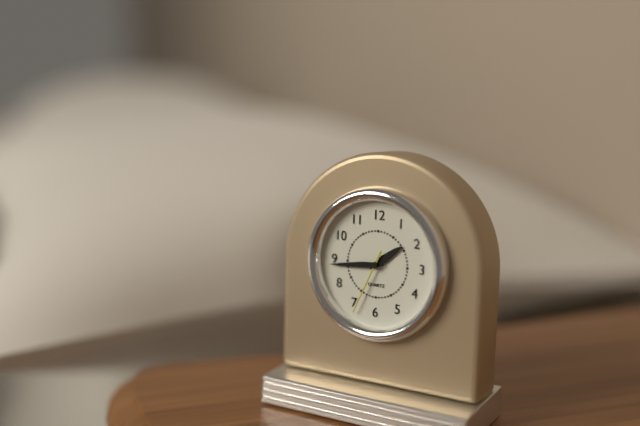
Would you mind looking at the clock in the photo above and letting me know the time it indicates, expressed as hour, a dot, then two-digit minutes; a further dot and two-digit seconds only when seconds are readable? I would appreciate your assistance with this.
1.44.34
